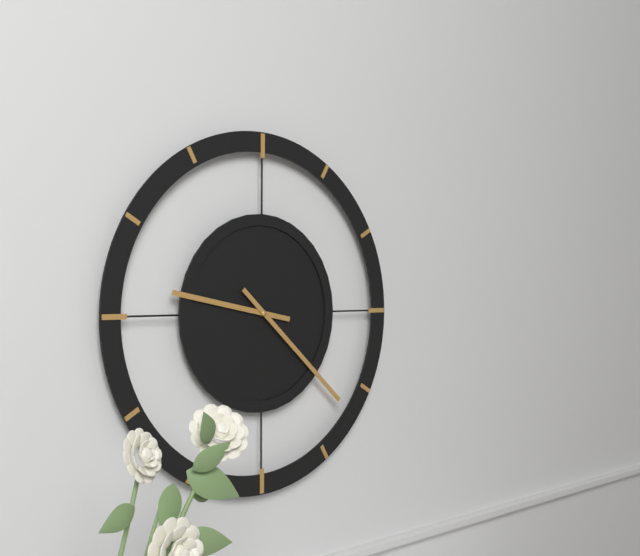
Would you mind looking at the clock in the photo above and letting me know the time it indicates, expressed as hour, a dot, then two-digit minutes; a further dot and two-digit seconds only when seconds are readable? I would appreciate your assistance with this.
9.22
